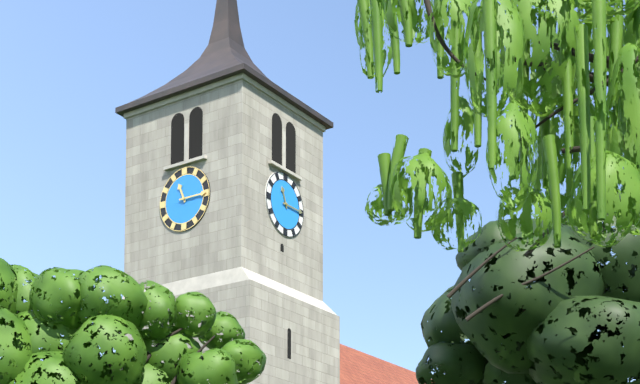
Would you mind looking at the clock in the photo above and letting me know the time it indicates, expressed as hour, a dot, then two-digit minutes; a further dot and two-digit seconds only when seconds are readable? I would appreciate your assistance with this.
11.15
